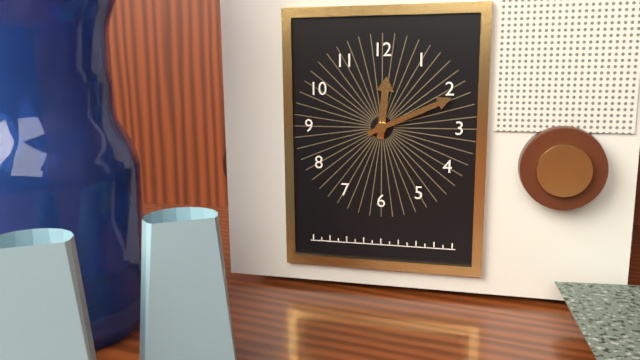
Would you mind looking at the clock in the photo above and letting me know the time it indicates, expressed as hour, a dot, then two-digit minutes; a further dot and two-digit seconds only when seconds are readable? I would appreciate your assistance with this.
12.11
